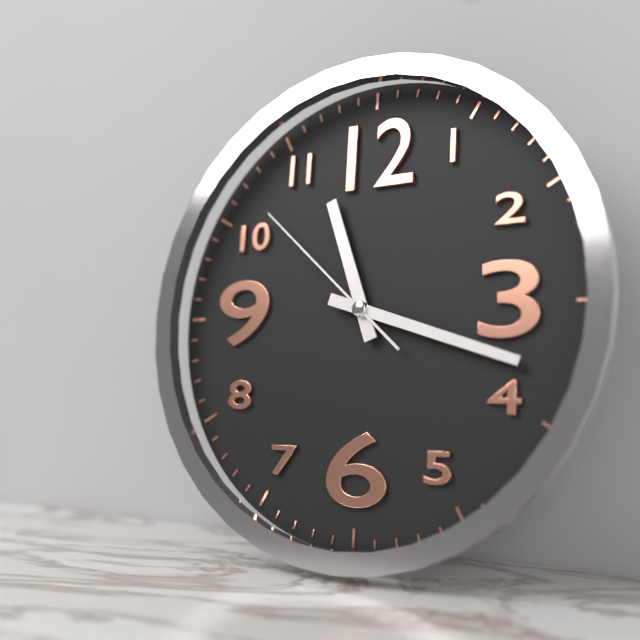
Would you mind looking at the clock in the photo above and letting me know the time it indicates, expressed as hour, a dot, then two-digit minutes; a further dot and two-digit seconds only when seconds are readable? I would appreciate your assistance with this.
11.18.52
